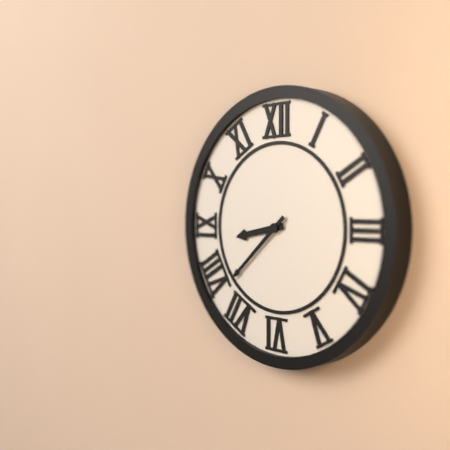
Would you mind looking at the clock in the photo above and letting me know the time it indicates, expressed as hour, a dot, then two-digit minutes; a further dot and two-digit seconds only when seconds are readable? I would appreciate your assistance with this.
8.38
